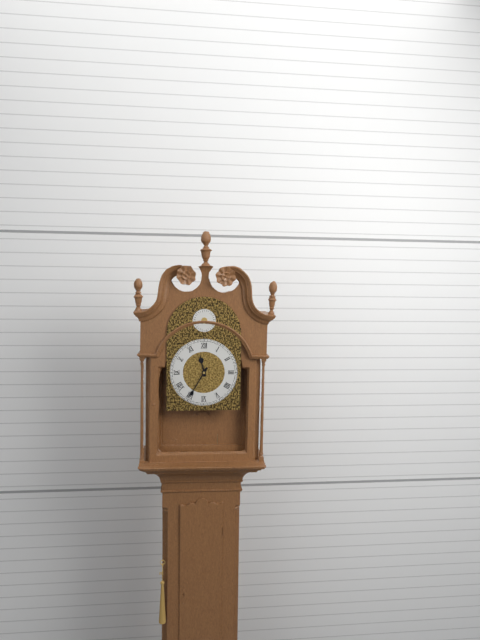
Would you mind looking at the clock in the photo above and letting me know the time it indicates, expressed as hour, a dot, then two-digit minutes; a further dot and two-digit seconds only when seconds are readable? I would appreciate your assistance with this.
11.35
